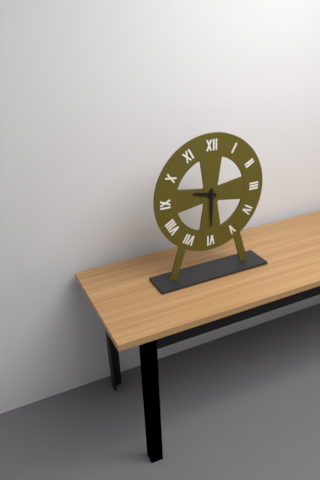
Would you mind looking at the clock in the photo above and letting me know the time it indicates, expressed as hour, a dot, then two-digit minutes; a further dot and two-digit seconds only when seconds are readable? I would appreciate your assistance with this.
9.30
